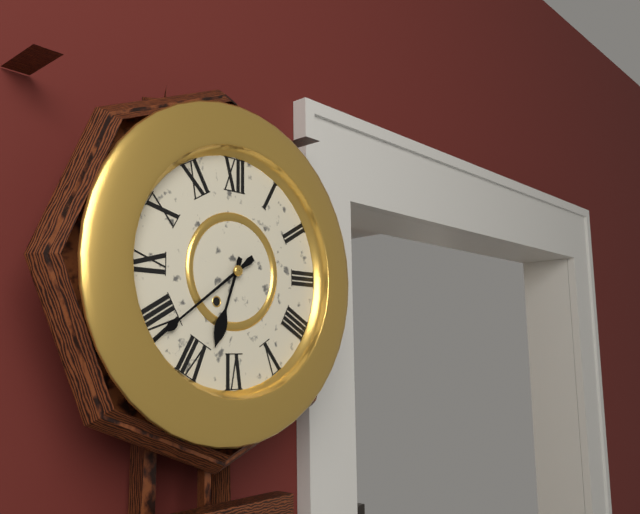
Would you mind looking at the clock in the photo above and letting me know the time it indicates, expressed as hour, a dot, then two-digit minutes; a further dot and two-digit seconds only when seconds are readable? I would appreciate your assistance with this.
6.39
